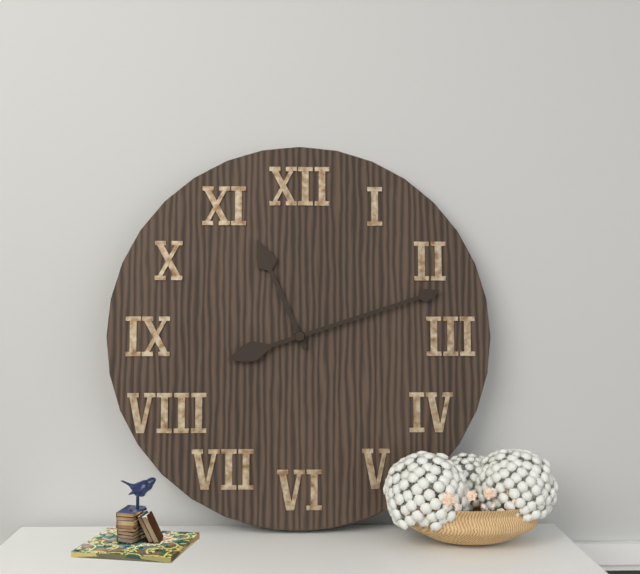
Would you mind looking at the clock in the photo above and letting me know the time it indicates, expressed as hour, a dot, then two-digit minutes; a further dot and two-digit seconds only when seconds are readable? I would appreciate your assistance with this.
11.12
